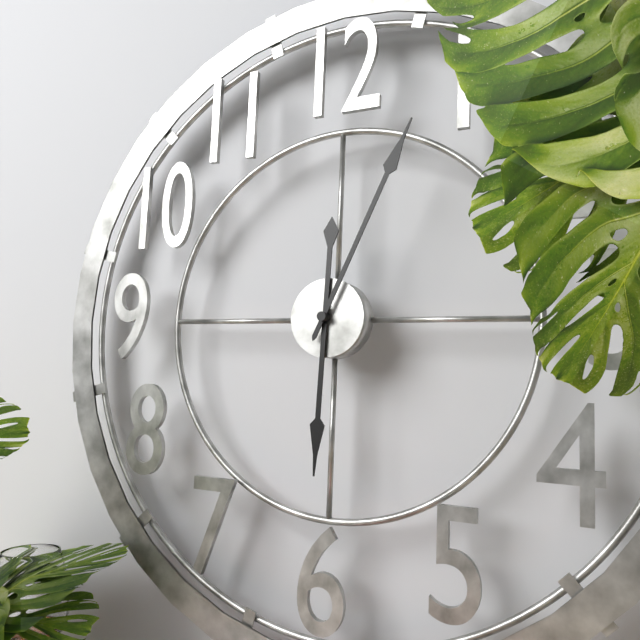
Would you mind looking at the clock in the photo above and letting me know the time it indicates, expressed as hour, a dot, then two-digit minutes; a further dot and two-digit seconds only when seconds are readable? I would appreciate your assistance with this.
6.04
